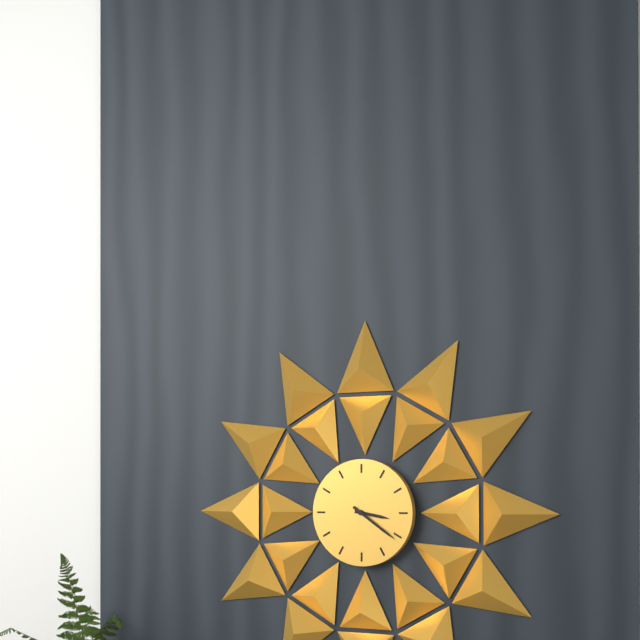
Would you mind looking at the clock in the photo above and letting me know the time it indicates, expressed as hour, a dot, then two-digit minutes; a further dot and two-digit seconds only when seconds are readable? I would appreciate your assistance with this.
3.21
